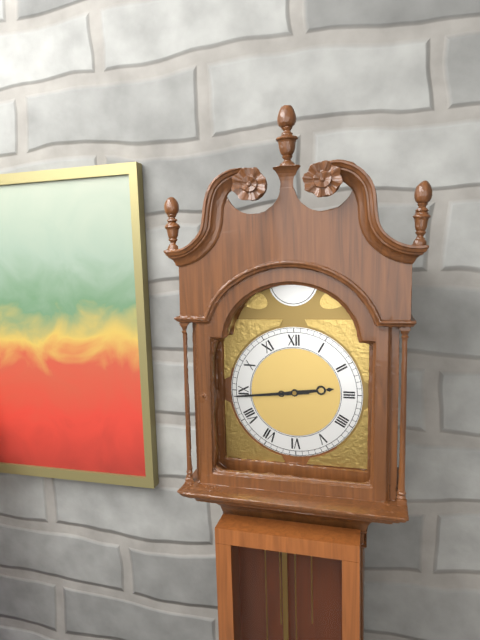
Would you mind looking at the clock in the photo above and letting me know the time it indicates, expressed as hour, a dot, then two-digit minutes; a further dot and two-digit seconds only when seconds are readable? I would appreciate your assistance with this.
2.44
